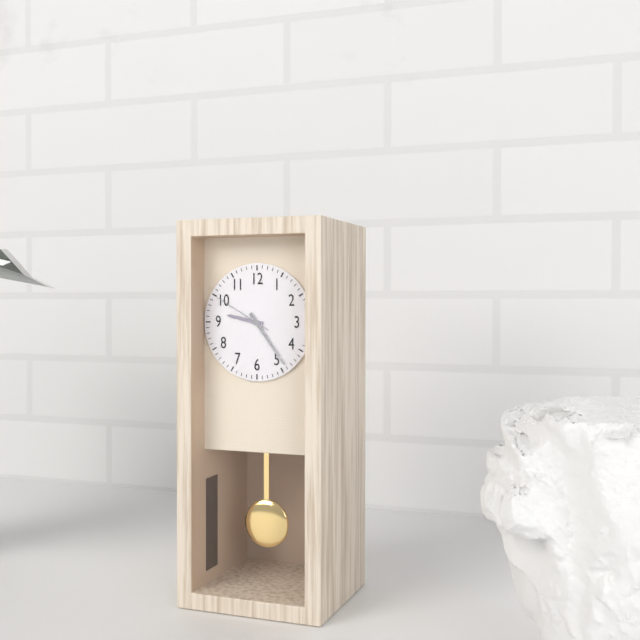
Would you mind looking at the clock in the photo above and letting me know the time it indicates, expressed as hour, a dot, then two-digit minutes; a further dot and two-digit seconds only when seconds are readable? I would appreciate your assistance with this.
9.24.50
